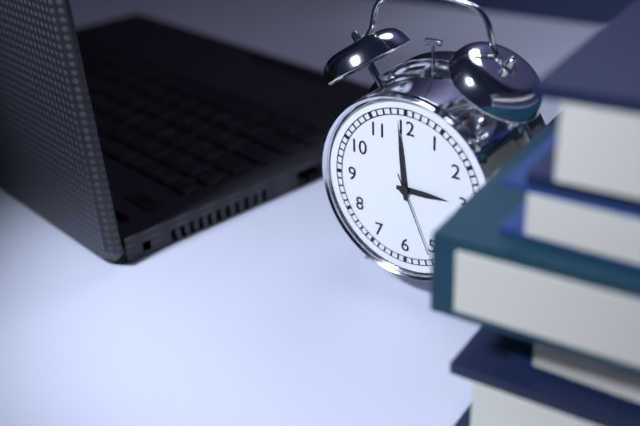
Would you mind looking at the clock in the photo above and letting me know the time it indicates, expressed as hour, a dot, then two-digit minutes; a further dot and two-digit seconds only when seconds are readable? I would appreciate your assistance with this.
2.59.26
